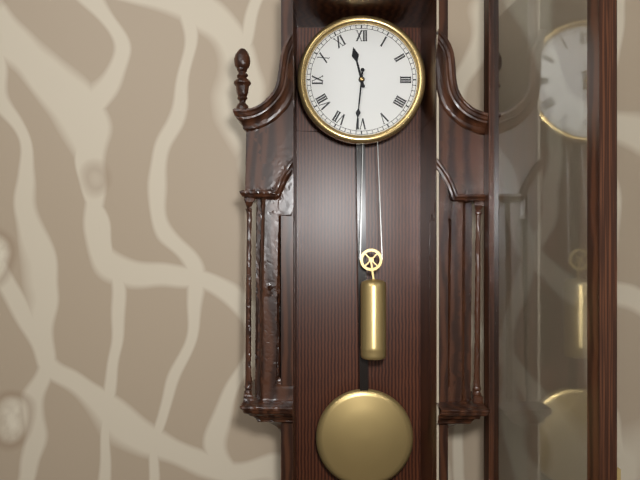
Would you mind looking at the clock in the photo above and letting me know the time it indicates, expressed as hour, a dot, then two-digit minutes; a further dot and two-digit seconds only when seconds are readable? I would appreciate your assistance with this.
11.31
